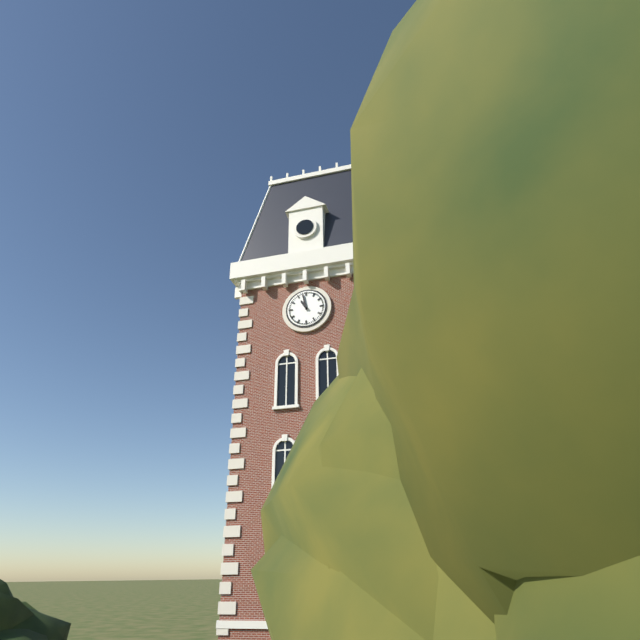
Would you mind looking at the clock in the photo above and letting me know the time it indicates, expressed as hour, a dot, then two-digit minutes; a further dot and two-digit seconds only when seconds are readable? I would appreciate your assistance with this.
10.58
